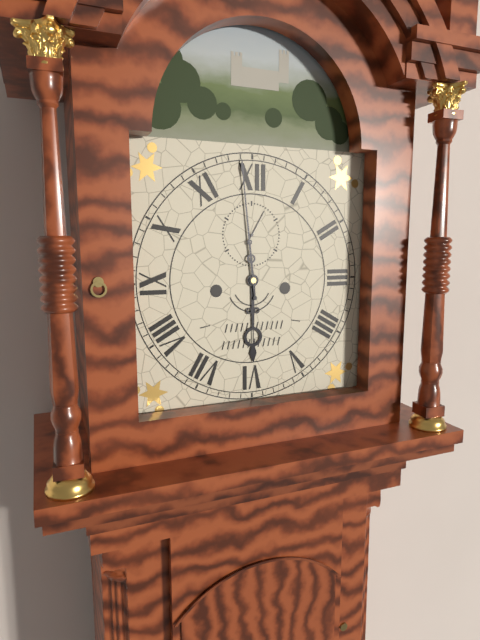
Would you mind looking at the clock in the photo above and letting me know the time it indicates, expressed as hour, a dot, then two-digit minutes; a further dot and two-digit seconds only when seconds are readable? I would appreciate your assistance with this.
5.59
